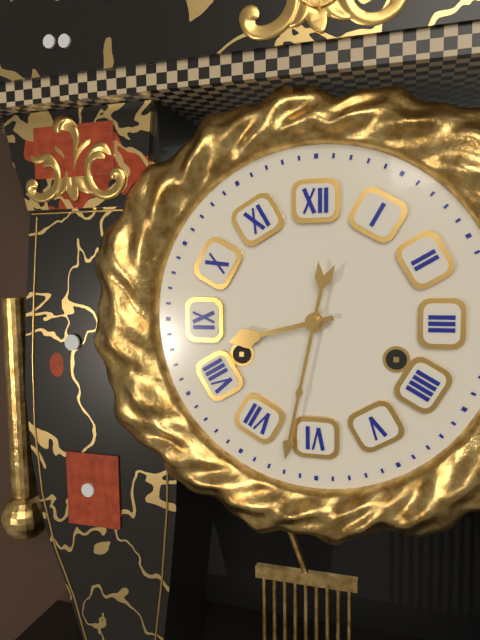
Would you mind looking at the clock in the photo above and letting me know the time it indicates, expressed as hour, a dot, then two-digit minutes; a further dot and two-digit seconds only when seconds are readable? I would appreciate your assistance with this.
8.32
